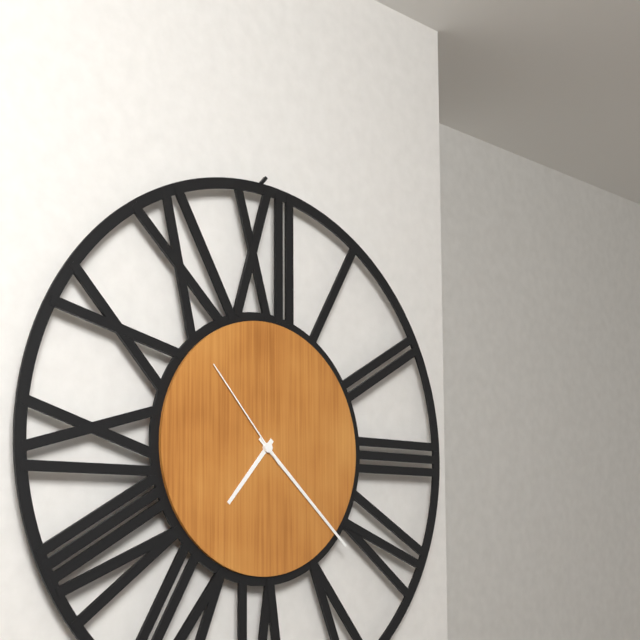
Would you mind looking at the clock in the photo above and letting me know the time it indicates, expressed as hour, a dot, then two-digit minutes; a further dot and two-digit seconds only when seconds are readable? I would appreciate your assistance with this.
7.22.53
